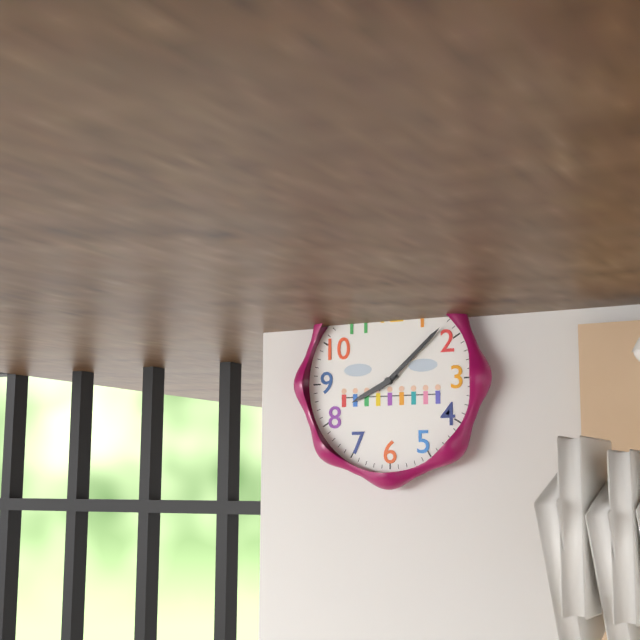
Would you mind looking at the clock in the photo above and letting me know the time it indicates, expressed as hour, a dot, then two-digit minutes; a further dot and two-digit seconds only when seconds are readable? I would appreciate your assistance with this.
8.08
